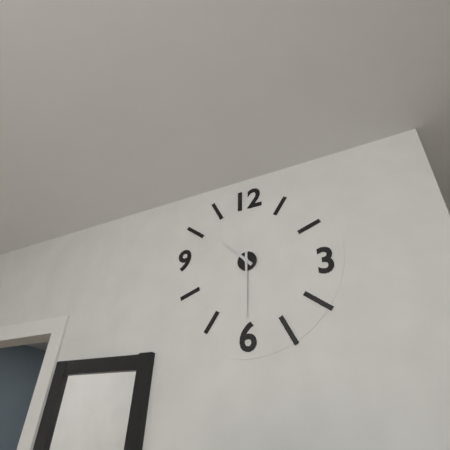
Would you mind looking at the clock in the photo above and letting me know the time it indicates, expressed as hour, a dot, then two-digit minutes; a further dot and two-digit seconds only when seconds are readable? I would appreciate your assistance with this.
10.30
